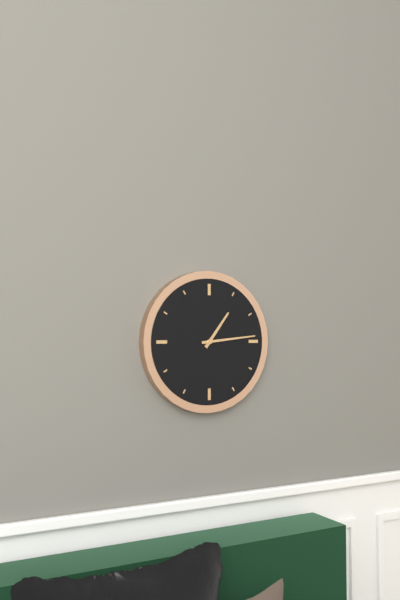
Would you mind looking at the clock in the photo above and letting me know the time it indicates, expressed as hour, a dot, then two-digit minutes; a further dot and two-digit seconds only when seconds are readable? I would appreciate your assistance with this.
1.14
